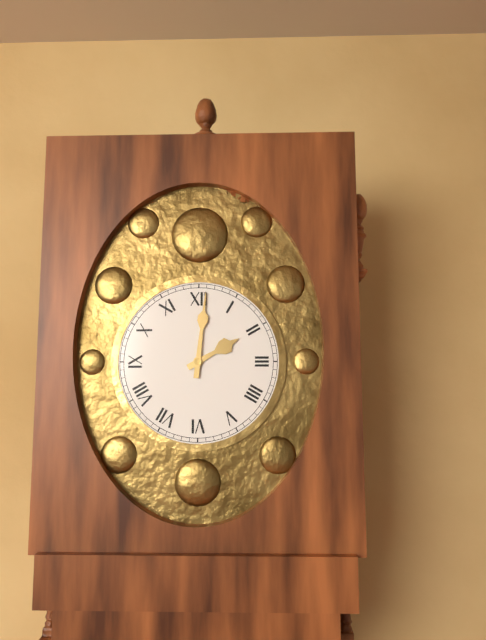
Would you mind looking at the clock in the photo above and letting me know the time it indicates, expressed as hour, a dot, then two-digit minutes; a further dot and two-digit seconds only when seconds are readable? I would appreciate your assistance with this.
2.01
